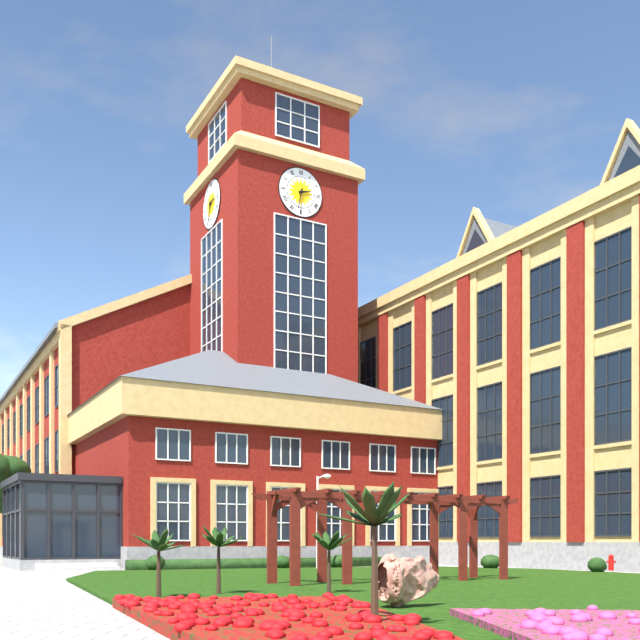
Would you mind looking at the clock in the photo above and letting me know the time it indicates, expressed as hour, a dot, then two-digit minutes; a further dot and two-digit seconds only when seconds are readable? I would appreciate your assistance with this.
2.32
